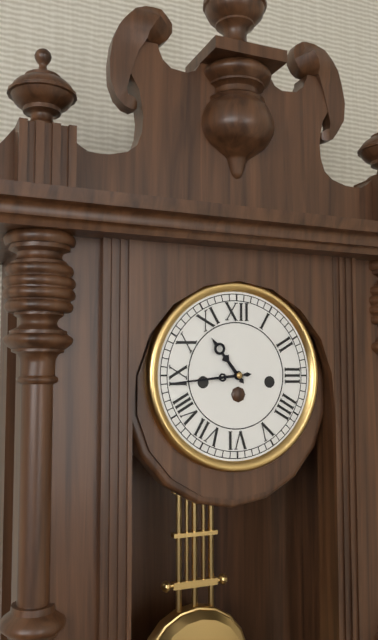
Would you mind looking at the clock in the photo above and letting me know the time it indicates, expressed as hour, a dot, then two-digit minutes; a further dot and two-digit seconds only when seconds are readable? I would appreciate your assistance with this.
10.44
